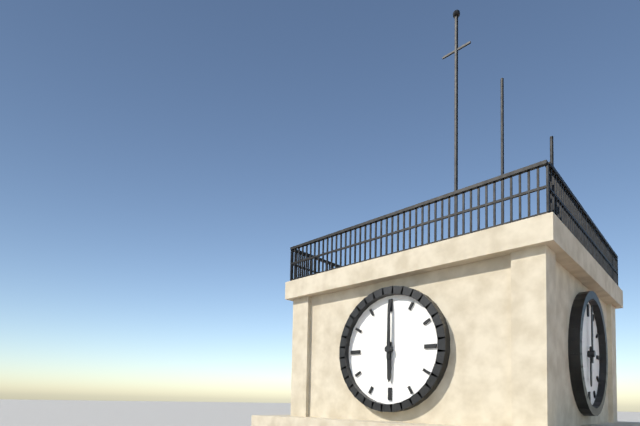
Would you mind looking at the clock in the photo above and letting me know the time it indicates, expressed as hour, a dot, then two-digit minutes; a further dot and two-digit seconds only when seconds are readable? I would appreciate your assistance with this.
6.00
